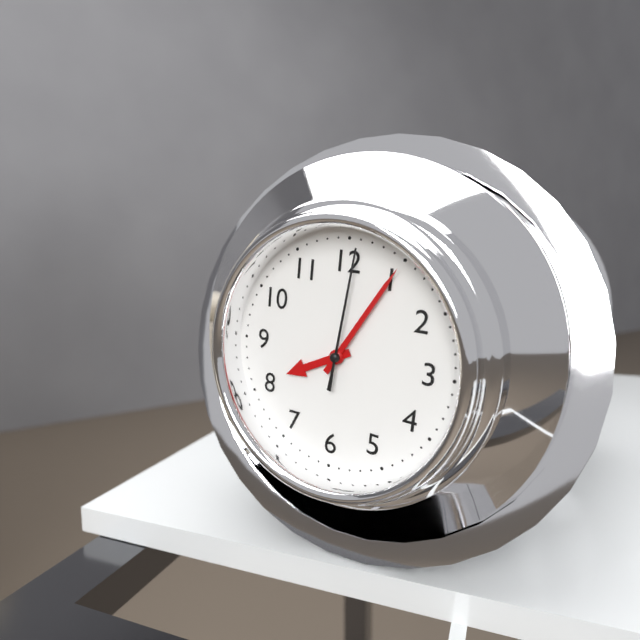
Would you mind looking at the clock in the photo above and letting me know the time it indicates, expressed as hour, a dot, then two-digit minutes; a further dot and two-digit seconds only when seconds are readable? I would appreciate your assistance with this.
8.05.01
